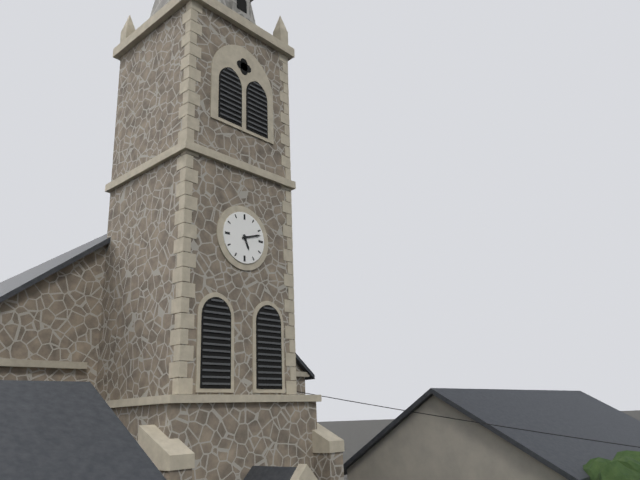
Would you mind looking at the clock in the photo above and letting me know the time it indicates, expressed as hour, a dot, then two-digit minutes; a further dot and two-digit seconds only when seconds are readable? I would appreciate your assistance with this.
5.12
